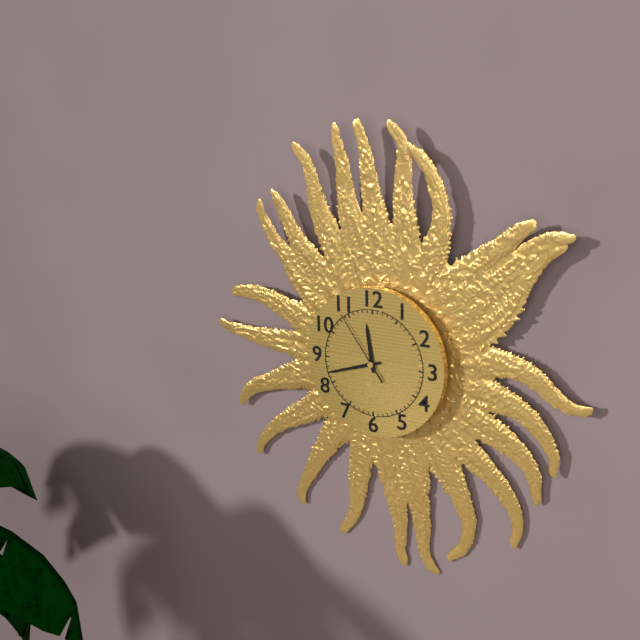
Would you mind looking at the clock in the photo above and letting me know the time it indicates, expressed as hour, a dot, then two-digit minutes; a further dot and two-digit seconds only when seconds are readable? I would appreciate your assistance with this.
11.42.54
